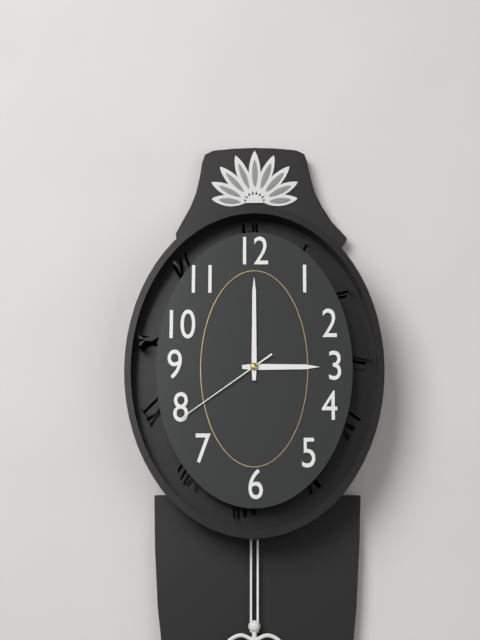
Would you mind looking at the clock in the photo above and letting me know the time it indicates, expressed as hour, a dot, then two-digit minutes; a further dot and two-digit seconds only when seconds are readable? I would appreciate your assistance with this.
3.00.39
